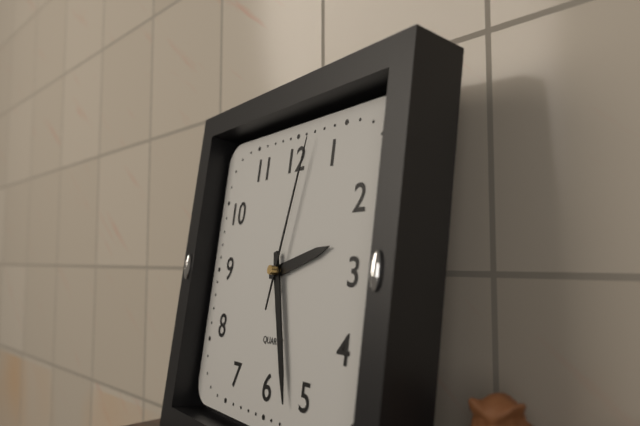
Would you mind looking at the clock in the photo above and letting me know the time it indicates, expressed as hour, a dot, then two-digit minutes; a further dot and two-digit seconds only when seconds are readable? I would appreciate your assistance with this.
2.27.02
